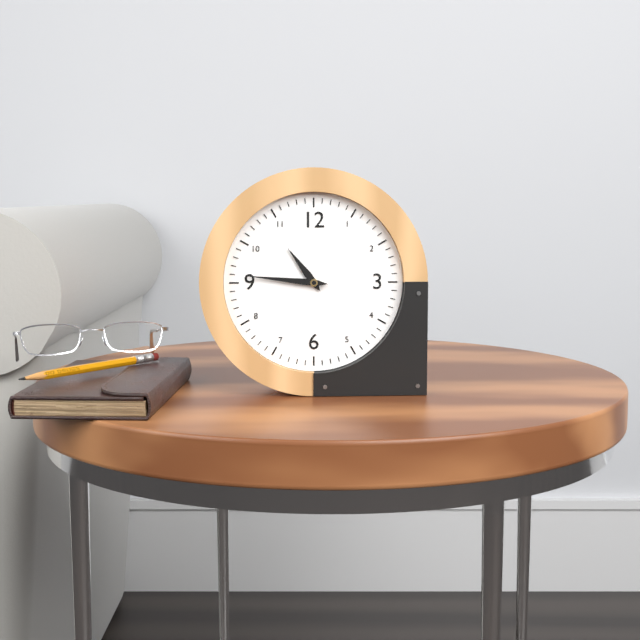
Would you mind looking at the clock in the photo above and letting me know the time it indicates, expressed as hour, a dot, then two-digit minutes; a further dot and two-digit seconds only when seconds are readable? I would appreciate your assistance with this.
10.46
